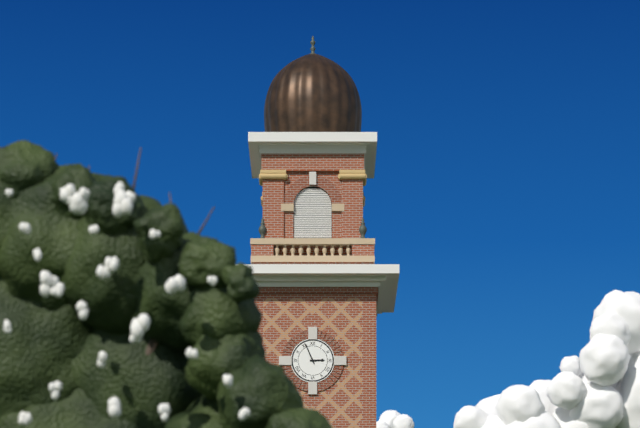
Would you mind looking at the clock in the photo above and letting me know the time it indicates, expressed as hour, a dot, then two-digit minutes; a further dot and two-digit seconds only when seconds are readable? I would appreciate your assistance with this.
2.56
